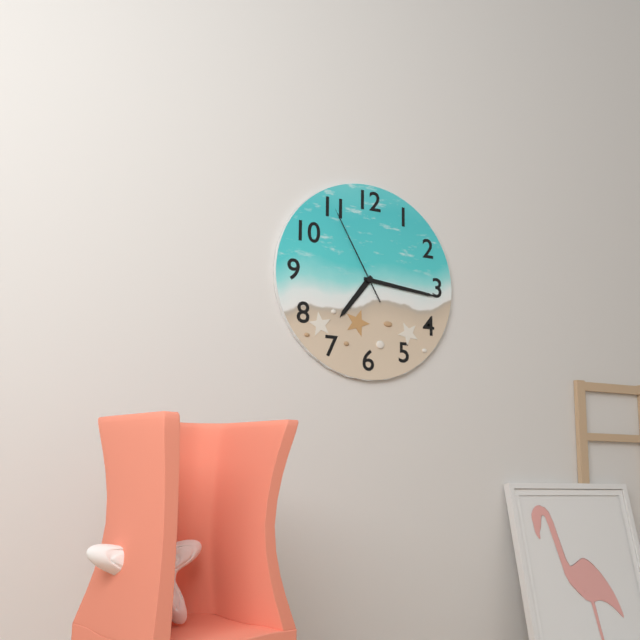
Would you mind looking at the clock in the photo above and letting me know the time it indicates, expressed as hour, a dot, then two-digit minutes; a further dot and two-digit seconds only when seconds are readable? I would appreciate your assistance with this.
7.16.55
